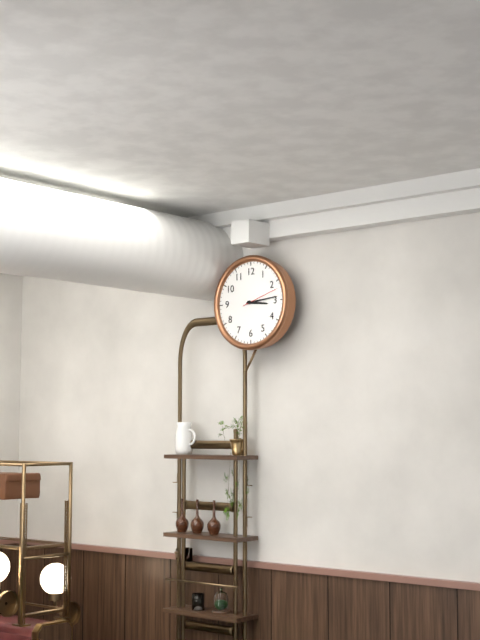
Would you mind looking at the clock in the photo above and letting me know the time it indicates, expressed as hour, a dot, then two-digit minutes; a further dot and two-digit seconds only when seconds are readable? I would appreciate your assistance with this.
3.14
